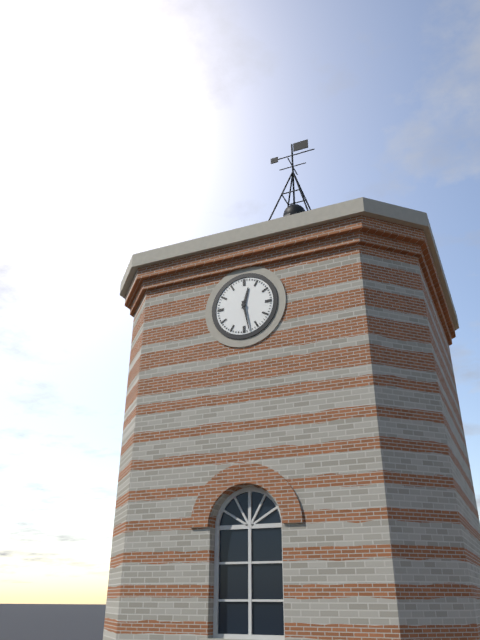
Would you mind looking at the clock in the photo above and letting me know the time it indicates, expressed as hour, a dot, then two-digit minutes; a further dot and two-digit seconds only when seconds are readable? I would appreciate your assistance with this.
12.28
